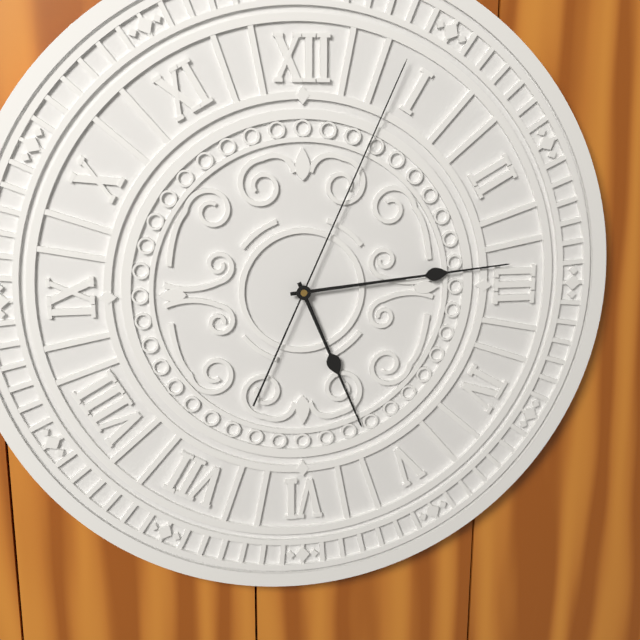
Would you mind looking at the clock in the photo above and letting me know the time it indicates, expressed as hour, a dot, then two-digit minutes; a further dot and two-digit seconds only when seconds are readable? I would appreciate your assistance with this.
5.14.04
